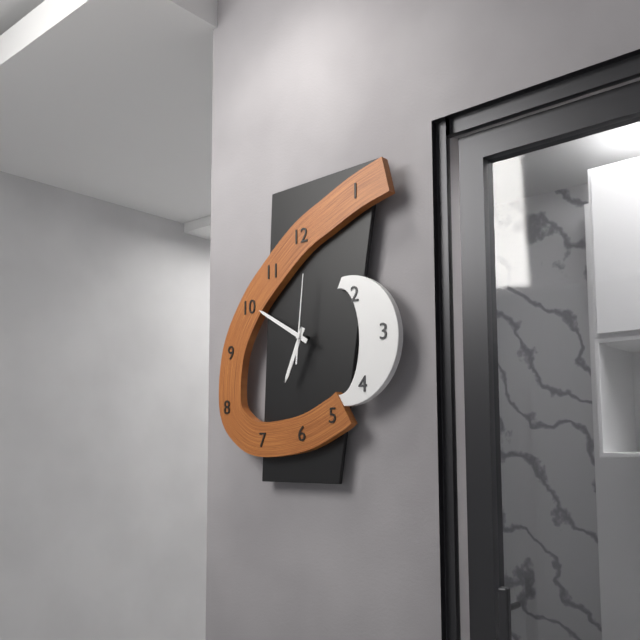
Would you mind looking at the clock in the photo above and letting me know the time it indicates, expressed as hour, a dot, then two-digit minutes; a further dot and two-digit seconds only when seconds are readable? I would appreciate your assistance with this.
6.50.01
